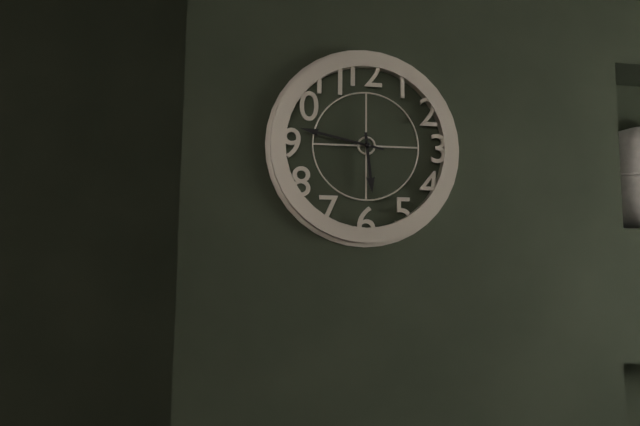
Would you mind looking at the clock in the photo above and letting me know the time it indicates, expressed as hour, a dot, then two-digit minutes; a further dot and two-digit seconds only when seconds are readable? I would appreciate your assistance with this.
5.47
